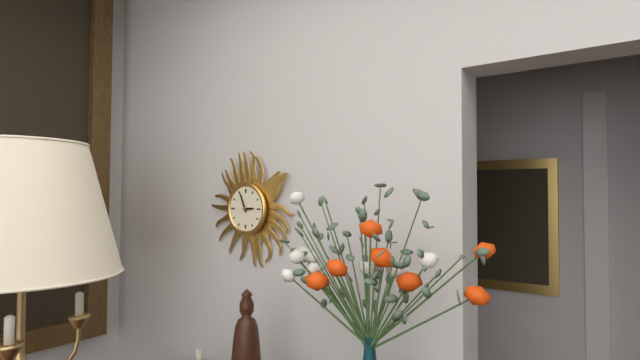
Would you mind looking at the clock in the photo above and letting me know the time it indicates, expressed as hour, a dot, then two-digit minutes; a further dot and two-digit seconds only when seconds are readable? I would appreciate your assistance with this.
2.56
